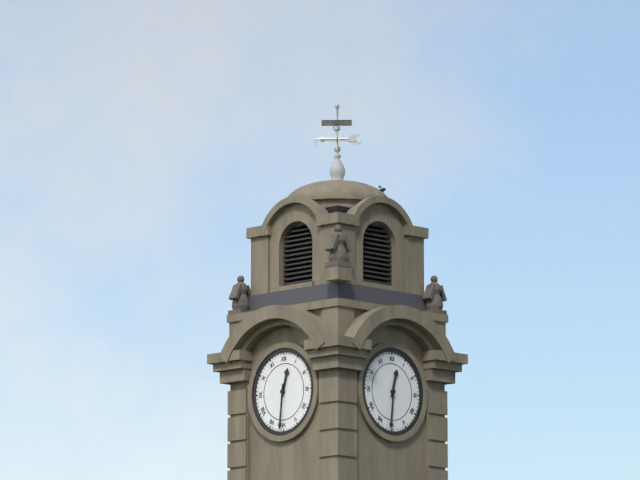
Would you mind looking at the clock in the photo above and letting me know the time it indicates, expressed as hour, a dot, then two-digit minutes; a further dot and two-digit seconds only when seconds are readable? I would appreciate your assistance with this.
12.31
